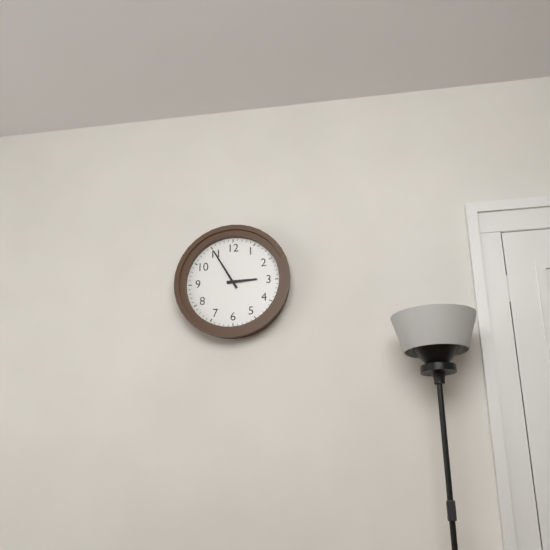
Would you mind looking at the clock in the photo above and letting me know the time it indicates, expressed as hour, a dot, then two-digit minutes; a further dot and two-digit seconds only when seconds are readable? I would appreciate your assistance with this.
2.55
